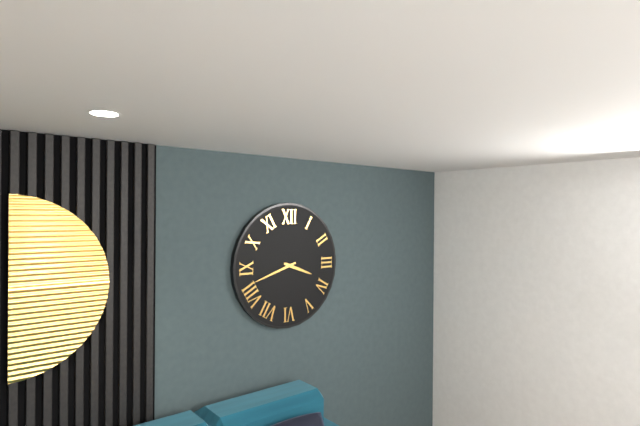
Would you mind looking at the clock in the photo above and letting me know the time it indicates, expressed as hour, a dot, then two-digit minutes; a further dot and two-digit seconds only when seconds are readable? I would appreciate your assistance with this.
3.42
